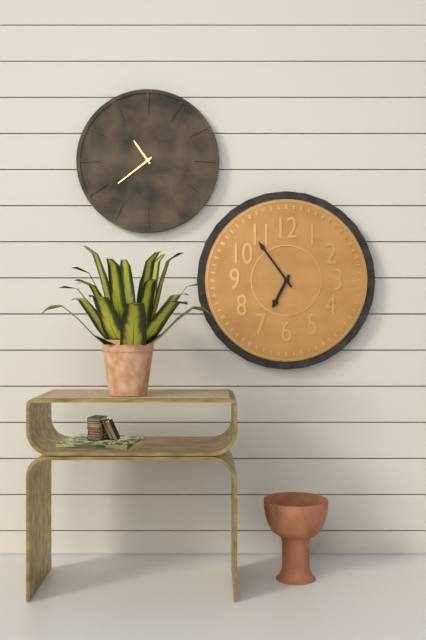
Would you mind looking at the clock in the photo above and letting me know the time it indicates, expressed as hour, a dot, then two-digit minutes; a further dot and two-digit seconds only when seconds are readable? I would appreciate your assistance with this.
6.54
